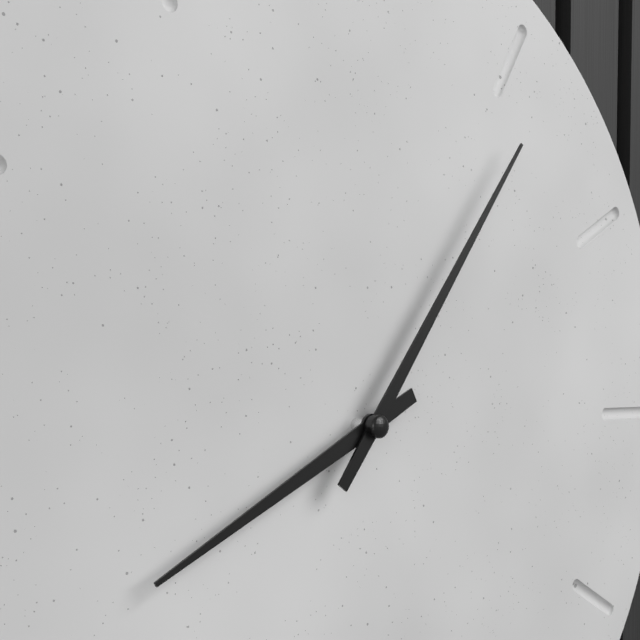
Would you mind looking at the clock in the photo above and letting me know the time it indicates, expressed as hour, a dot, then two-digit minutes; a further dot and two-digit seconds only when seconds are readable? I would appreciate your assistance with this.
8.06
